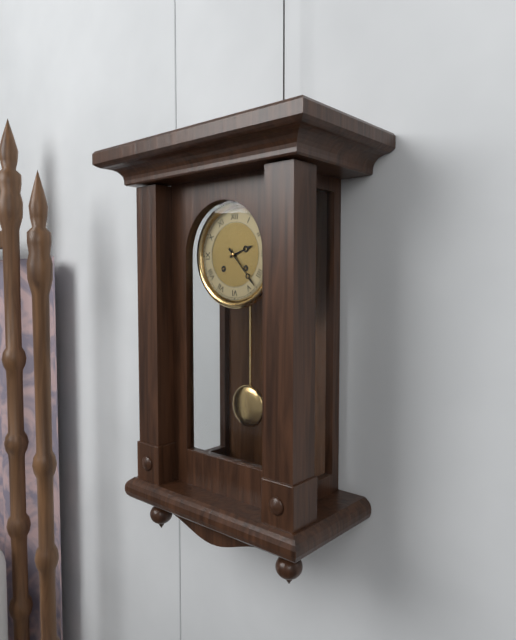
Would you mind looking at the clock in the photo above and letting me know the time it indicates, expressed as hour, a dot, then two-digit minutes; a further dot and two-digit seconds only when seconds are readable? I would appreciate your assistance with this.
2.23
